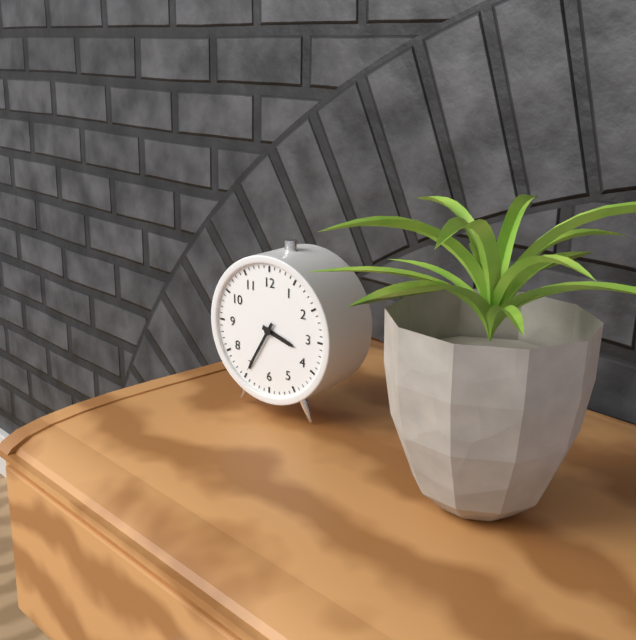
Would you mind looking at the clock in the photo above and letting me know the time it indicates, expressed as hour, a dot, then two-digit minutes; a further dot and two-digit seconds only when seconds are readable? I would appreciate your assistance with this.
3.35
